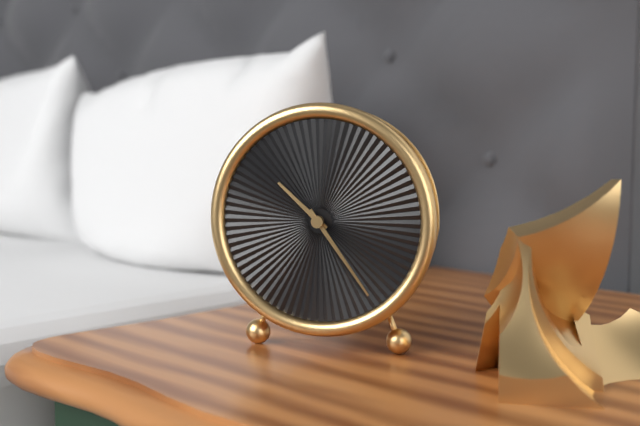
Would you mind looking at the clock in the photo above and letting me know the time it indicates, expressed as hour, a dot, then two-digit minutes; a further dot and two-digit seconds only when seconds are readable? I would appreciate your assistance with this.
10.24
